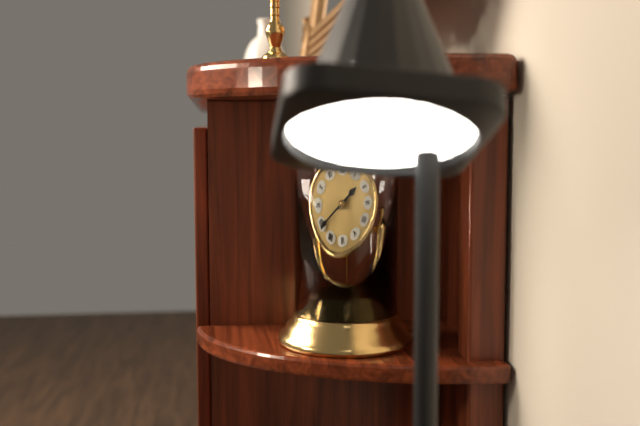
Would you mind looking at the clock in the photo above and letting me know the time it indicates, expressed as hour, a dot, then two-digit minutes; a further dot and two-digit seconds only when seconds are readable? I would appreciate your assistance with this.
1.39
